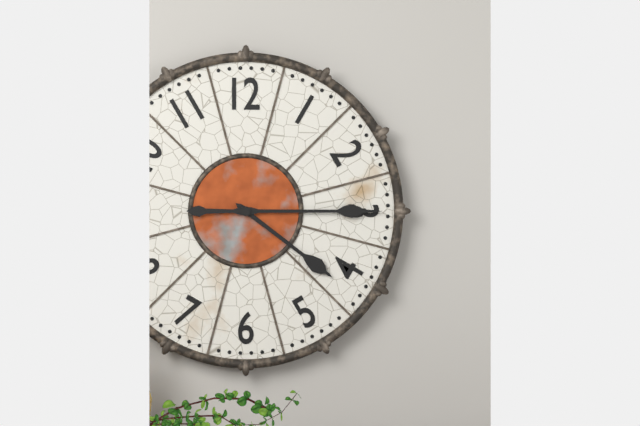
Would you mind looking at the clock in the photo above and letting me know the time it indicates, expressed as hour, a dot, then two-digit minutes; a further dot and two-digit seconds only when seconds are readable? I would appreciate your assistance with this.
4.15
